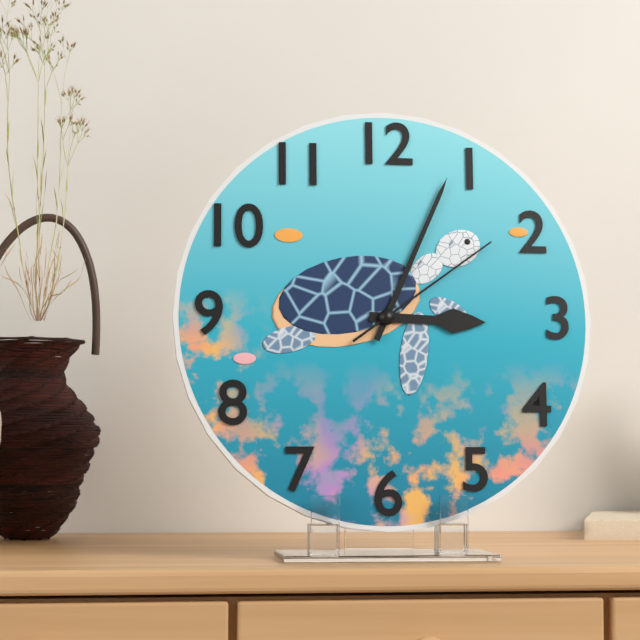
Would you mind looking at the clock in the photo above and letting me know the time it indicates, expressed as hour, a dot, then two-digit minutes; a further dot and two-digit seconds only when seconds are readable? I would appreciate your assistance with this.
3.04.09
